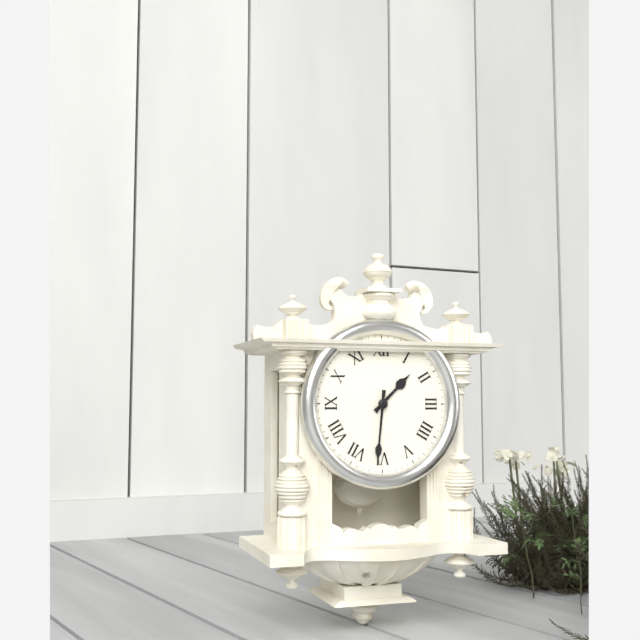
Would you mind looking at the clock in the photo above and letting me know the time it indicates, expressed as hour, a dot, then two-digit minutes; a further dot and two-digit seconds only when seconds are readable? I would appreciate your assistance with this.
1.31
